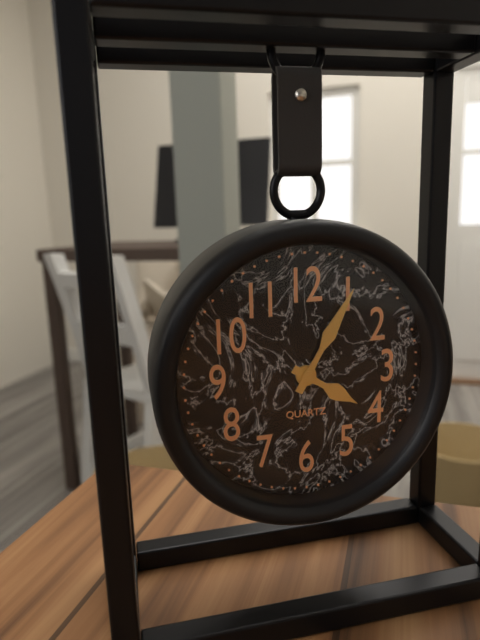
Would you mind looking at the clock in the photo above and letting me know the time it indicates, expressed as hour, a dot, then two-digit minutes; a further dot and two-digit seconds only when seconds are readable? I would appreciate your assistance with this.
4.05
